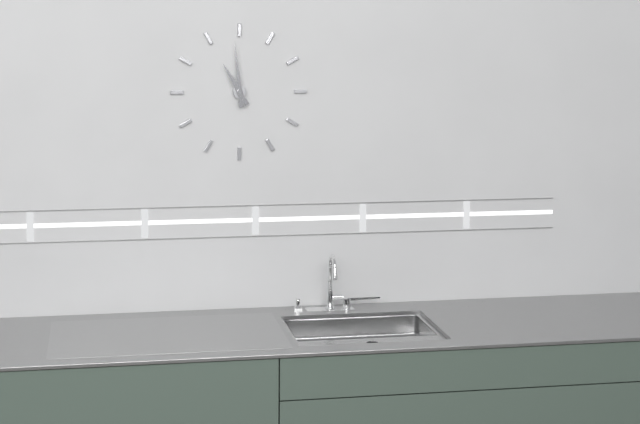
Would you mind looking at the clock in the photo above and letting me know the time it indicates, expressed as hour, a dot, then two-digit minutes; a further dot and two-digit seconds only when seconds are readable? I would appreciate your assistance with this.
10.59
